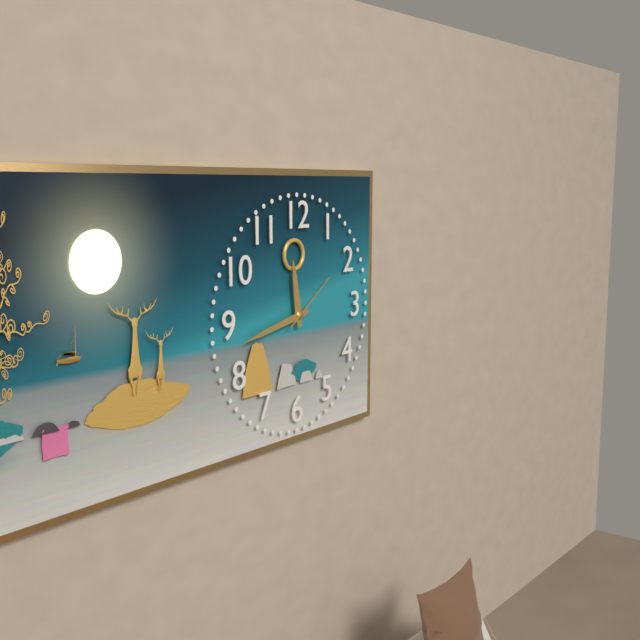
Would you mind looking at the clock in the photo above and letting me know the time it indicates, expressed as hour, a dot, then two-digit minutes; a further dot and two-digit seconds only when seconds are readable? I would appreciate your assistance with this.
11.43.09
